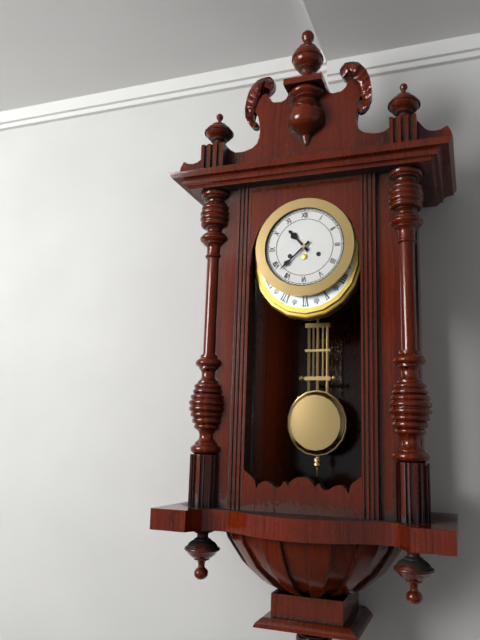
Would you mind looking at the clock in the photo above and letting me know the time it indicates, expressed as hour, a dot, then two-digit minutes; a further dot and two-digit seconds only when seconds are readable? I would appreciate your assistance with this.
10.38
